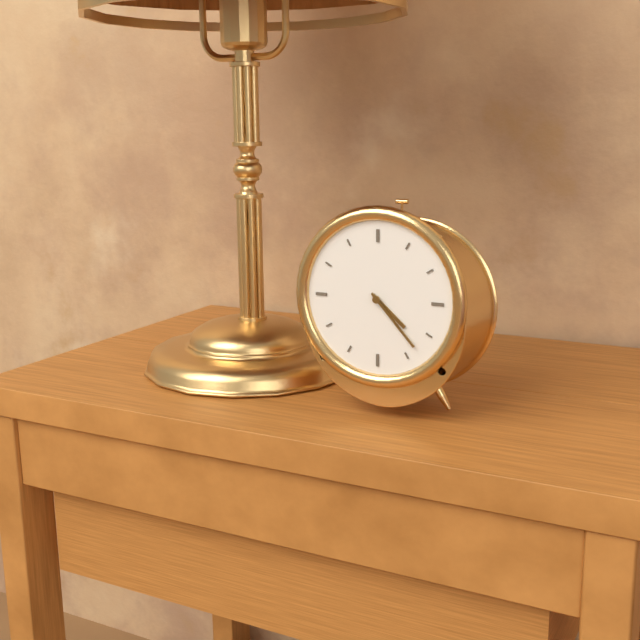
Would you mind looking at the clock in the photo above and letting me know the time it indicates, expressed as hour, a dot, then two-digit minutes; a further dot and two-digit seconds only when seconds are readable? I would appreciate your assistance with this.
4.23
